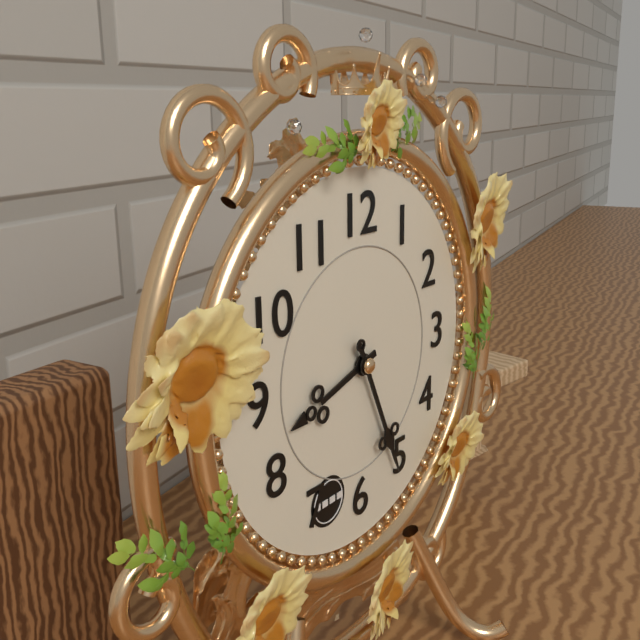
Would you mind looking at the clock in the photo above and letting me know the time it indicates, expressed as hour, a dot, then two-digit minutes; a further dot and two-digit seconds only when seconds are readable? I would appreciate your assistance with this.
8.26
